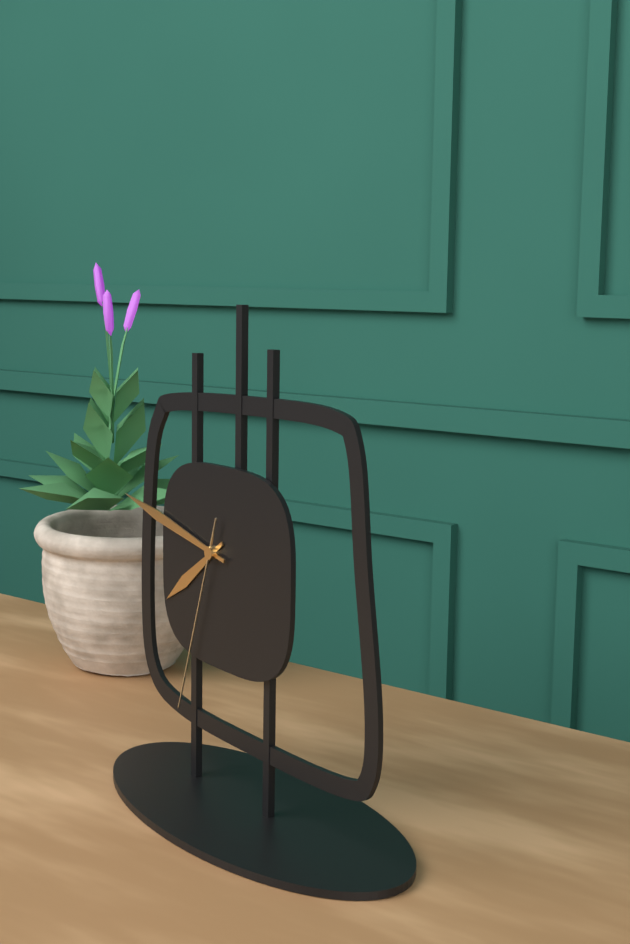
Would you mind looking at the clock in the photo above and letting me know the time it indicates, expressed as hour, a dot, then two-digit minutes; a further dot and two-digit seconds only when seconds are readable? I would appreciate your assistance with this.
7.47.33
